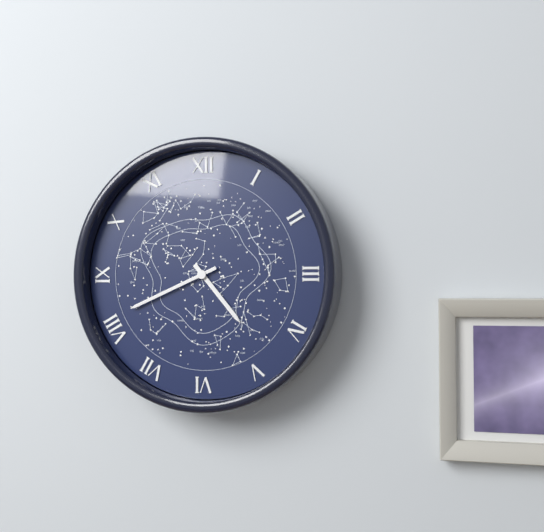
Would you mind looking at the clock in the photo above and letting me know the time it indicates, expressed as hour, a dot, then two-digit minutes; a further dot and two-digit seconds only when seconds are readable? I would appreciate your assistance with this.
4.41
